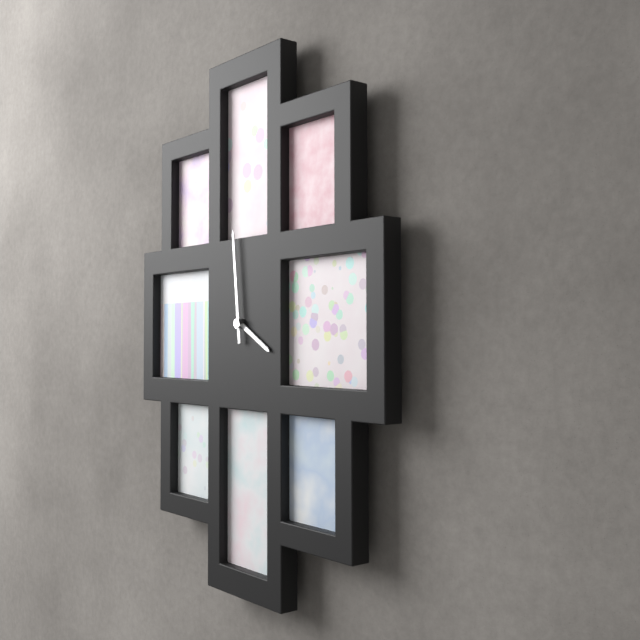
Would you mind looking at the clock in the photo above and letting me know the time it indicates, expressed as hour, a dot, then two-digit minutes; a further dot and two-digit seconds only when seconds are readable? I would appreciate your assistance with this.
3.59
